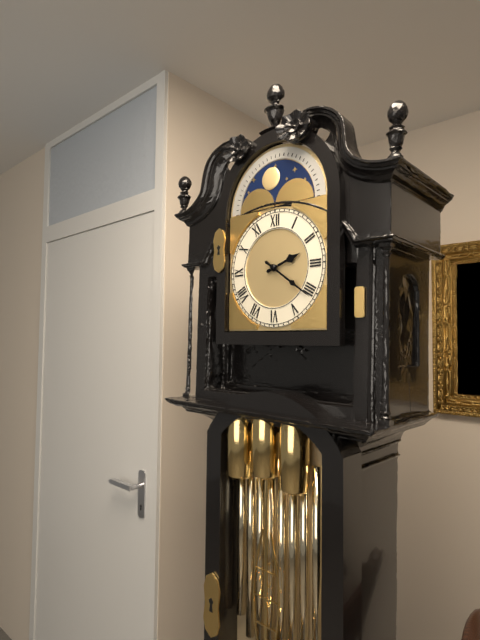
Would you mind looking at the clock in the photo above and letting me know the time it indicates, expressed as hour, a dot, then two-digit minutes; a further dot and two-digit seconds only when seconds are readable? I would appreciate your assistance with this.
2.21
